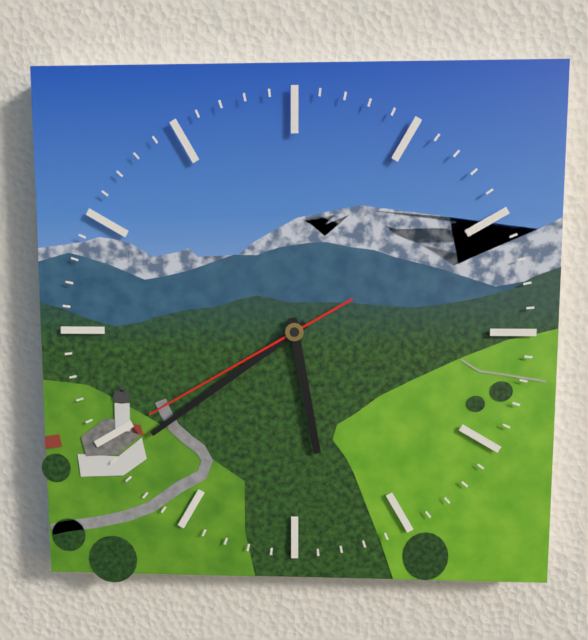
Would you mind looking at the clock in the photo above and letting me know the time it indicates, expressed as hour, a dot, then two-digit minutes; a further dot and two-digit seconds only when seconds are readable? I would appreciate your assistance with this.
5.39.40
